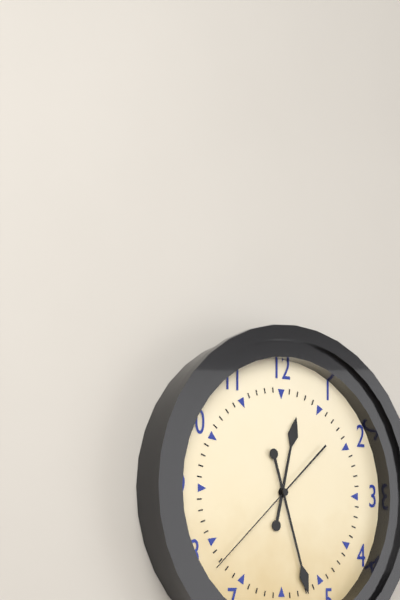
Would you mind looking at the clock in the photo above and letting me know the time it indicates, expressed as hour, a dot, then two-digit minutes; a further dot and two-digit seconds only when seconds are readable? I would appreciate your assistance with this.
12.27.38
